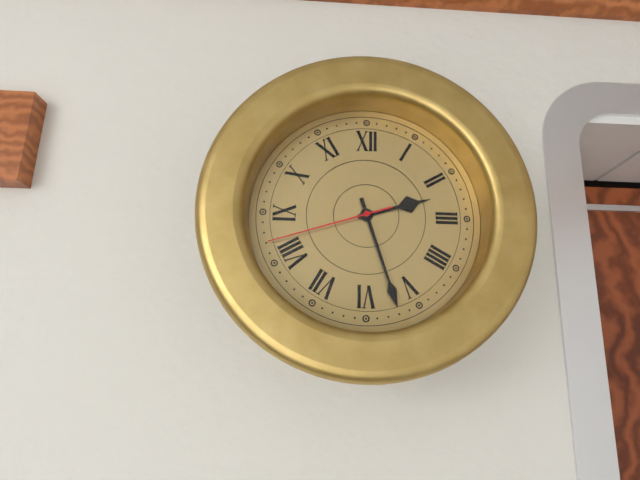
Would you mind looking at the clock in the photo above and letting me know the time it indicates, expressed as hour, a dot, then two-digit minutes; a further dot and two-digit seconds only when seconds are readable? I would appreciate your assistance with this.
2.27.42
